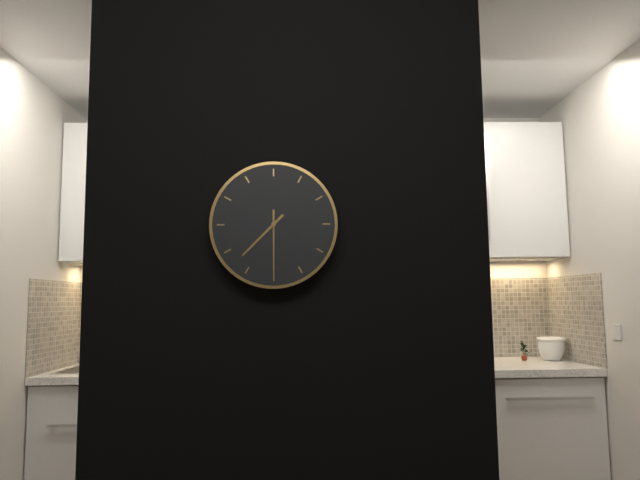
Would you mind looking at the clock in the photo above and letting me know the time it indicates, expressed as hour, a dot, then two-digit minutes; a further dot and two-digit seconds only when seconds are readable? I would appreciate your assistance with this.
7.30
